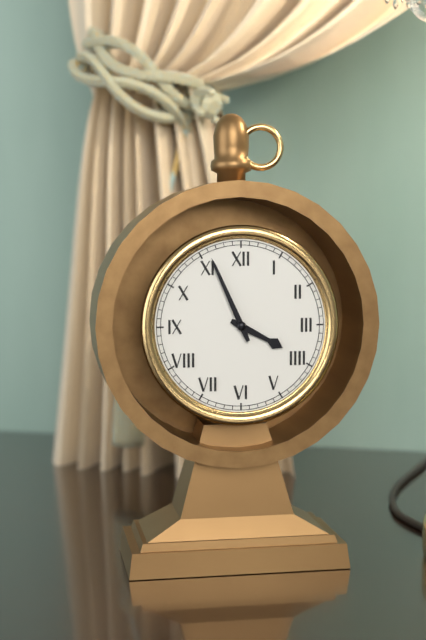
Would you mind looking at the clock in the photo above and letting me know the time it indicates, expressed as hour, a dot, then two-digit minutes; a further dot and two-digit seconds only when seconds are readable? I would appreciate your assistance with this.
3.56
